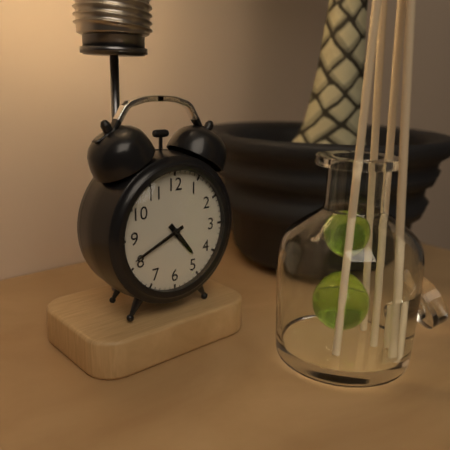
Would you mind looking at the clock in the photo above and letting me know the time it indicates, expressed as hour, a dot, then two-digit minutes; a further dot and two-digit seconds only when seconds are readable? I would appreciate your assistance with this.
4.41
